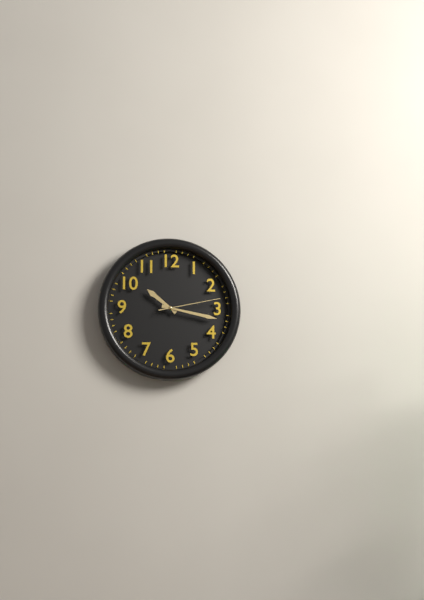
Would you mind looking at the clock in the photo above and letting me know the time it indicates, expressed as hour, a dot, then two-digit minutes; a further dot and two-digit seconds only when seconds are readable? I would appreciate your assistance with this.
10.17.13
